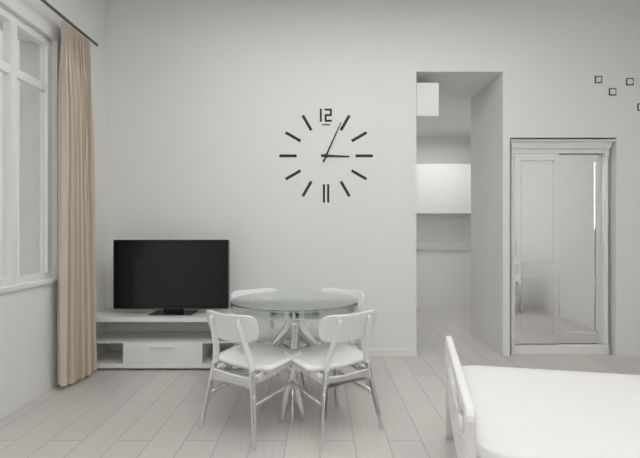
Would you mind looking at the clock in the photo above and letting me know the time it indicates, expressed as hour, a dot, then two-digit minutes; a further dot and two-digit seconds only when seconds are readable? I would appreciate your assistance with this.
3.04
